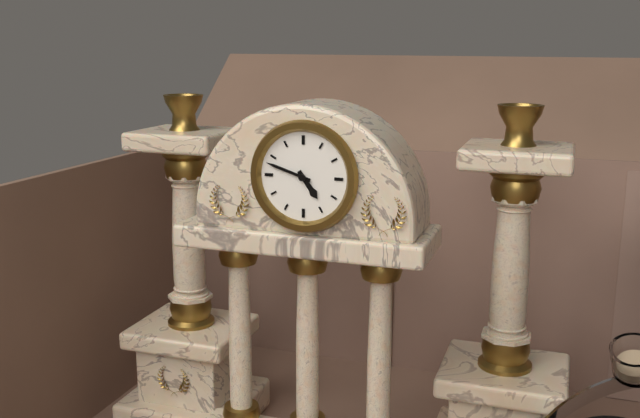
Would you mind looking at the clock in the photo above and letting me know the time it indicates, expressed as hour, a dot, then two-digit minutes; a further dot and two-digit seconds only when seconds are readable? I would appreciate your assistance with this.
4.48
